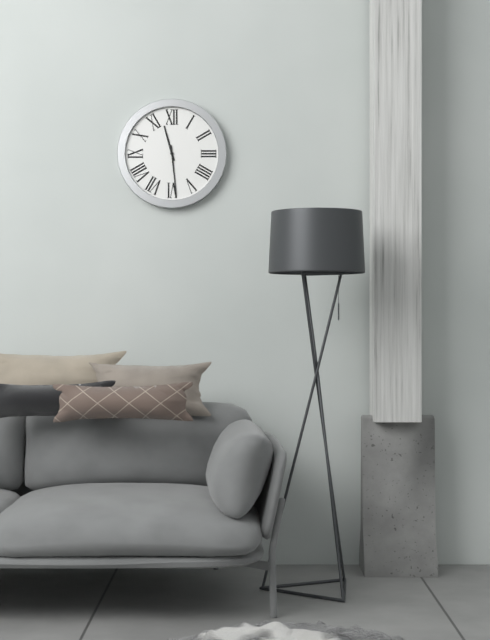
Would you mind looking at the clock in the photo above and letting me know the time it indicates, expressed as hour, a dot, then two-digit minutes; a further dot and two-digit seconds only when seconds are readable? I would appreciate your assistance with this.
11.29
